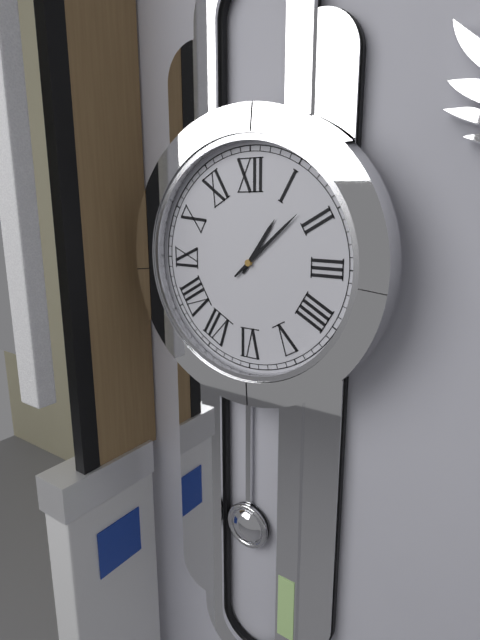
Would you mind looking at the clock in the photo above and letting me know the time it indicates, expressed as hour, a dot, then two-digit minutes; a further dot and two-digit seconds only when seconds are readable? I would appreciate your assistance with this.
1.08
